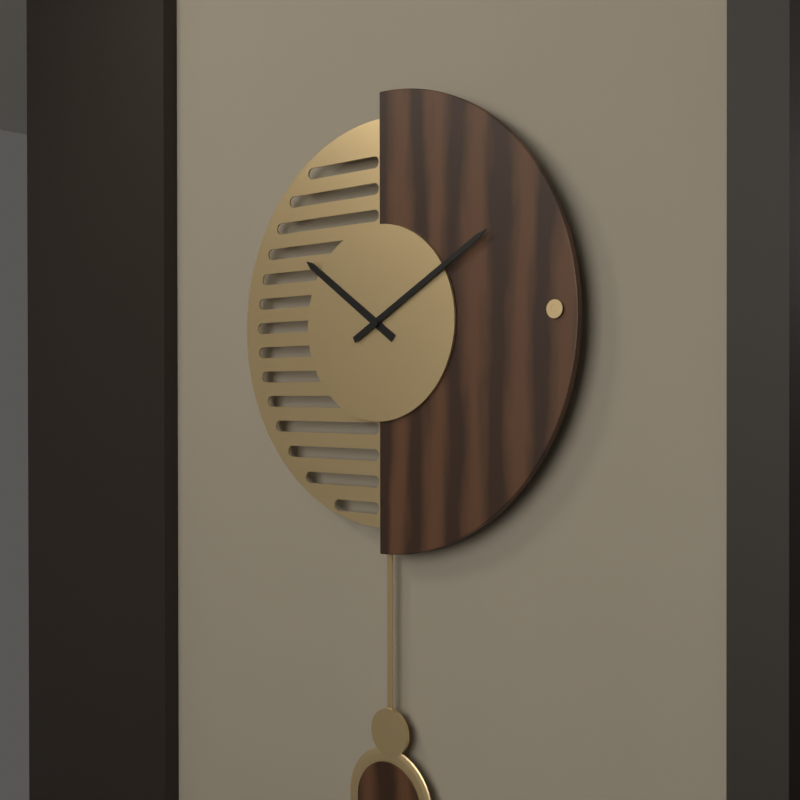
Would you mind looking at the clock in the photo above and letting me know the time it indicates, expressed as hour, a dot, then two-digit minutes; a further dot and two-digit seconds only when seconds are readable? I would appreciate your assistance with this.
10.10
